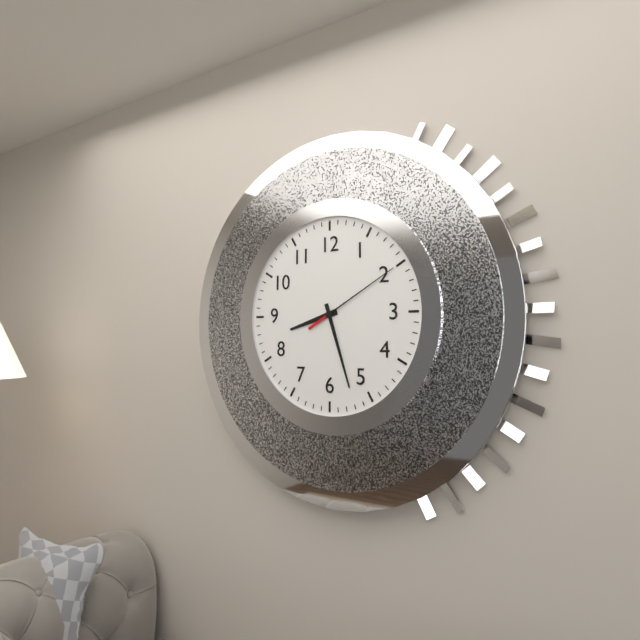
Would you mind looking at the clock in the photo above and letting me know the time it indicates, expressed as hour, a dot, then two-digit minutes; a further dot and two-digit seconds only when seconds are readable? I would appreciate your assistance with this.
8.27.10
